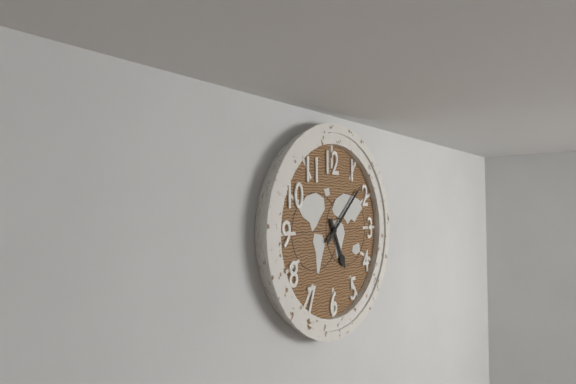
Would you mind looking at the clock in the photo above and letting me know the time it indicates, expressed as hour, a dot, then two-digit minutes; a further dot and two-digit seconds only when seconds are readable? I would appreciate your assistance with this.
5.08
